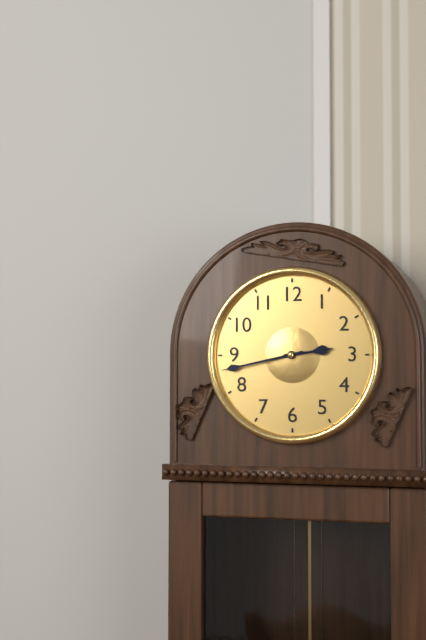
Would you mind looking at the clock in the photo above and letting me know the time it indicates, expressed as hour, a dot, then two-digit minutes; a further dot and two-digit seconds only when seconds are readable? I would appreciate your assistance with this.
2.43
